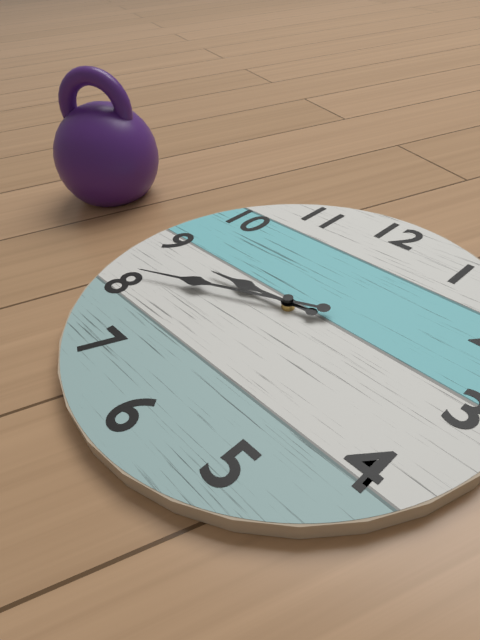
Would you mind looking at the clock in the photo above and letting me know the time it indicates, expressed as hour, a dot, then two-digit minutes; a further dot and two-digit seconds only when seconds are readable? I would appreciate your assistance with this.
8.41
